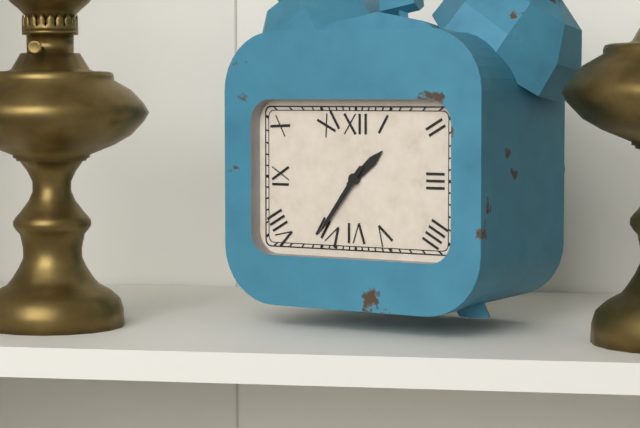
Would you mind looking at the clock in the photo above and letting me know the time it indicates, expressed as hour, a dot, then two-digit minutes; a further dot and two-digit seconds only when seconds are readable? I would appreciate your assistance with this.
1.36
